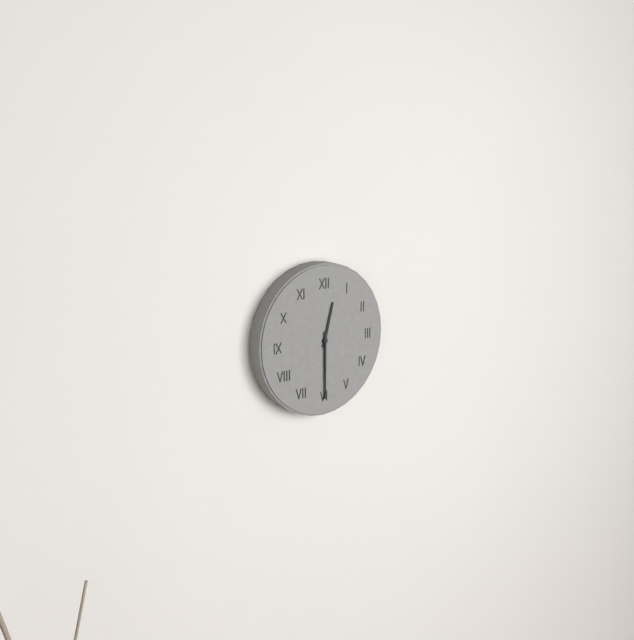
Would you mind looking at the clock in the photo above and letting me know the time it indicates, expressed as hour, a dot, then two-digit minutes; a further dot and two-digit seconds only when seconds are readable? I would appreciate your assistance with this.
12.30
